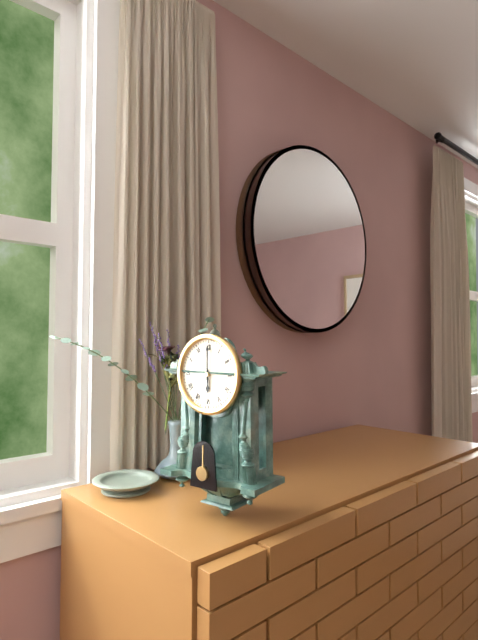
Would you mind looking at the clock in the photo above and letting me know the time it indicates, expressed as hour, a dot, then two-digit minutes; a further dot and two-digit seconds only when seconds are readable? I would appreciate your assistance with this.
6.00
